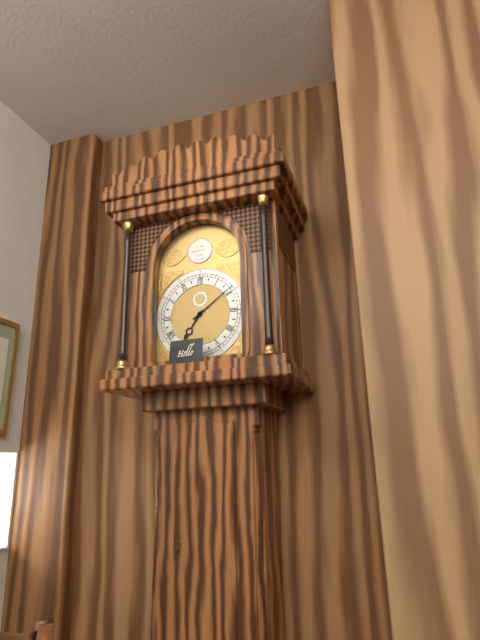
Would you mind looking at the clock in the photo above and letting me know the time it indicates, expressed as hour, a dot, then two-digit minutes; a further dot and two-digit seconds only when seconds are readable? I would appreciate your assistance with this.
7.09
